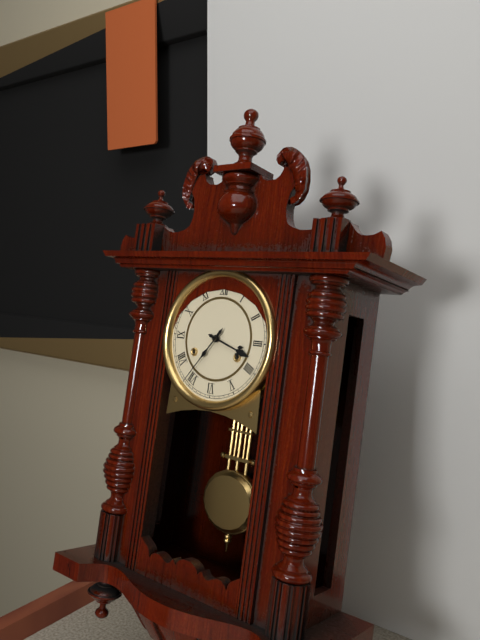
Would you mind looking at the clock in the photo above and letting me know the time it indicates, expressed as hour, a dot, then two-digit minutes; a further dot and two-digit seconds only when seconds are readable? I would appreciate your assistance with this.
3.36
